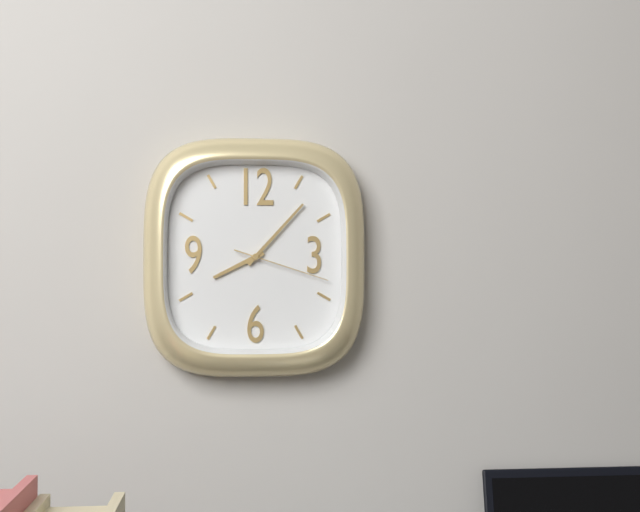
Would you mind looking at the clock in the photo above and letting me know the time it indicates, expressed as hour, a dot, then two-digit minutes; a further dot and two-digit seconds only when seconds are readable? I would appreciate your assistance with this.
8.07.18
